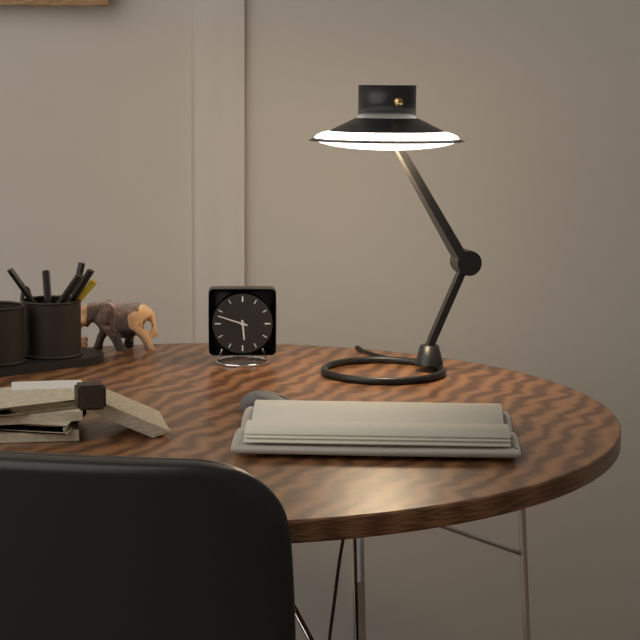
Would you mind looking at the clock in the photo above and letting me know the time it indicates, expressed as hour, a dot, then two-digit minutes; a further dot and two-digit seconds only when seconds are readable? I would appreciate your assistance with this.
5.48
